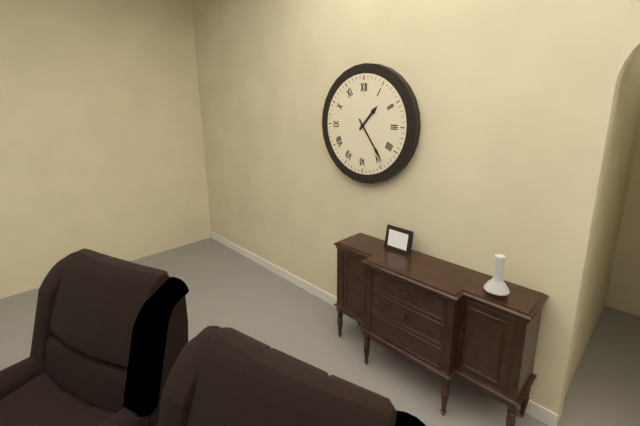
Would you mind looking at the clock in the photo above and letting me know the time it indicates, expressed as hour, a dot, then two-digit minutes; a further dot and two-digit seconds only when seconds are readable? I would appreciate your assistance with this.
1.24
